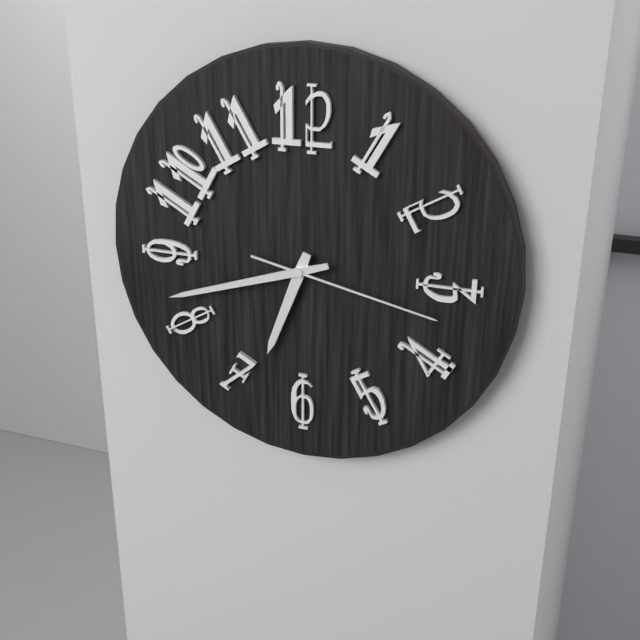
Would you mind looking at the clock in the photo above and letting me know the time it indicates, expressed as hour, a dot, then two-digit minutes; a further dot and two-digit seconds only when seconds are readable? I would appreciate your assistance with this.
6.42.17
